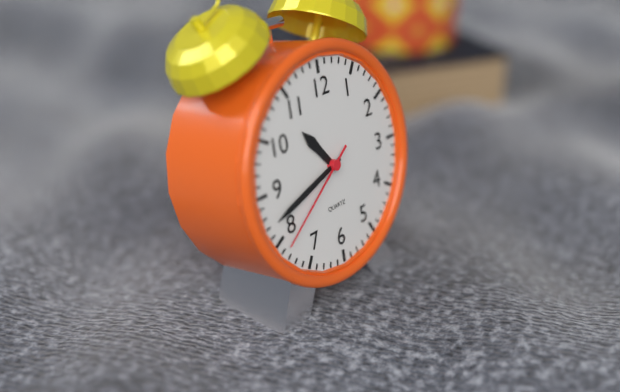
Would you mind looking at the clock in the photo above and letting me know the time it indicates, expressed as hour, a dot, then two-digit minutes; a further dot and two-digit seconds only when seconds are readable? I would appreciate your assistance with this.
10.42.39
